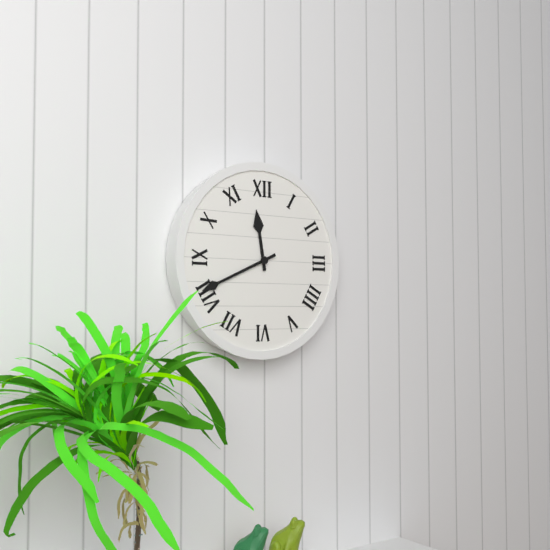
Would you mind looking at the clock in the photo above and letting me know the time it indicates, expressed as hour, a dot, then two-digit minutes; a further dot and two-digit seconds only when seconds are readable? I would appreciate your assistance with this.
11.41
